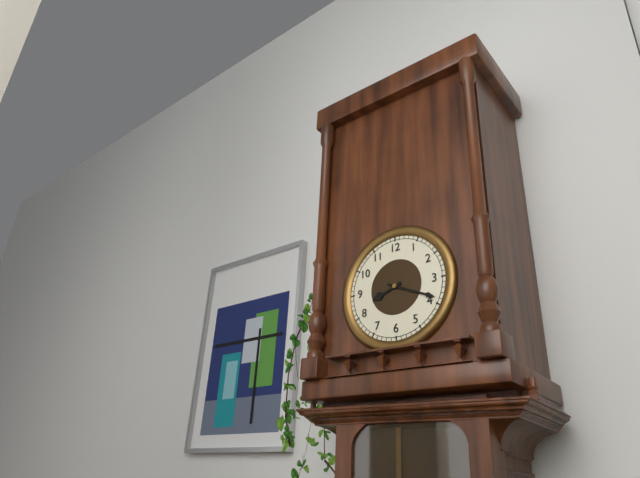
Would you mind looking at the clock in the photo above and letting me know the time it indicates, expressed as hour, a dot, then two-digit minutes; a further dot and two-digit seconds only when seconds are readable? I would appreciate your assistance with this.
8.19
